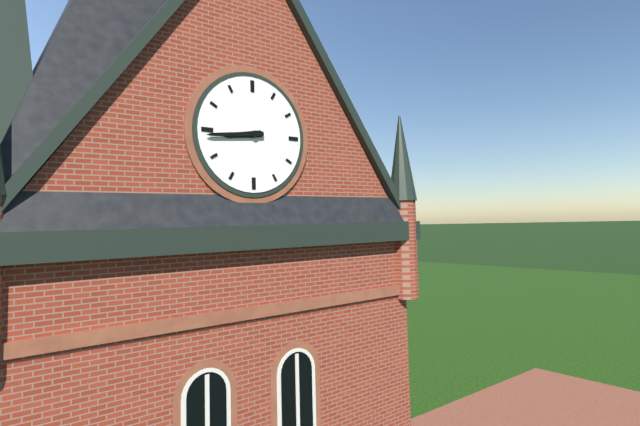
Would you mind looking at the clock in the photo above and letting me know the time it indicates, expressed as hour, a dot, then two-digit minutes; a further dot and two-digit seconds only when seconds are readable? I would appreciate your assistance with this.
8.44
